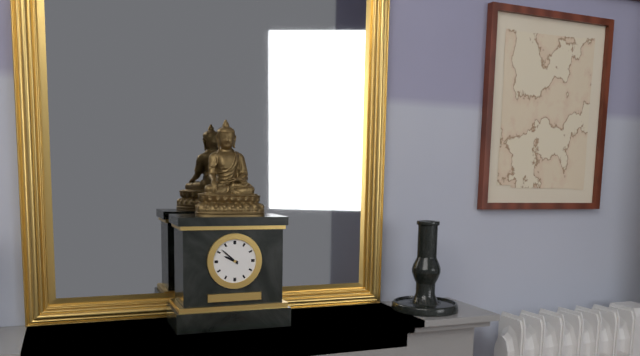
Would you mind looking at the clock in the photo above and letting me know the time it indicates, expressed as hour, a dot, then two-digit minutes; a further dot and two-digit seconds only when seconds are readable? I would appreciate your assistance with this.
9.52
